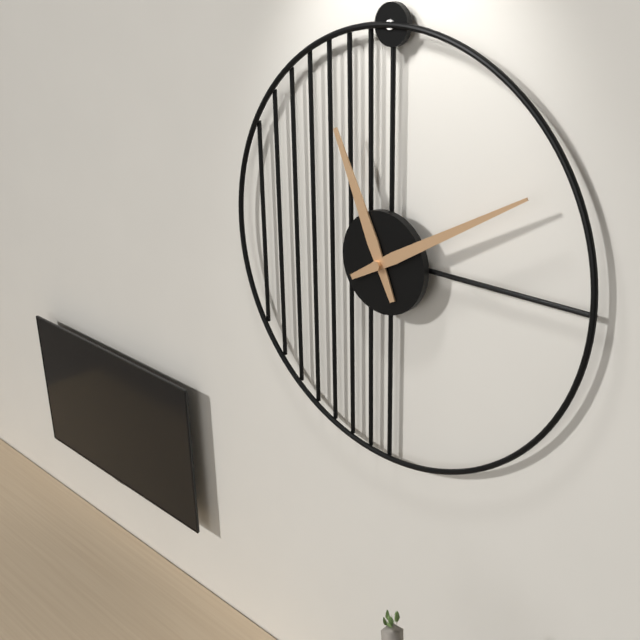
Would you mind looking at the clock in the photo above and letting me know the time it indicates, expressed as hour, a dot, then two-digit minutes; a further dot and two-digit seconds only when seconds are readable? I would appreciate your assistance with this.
11.10
